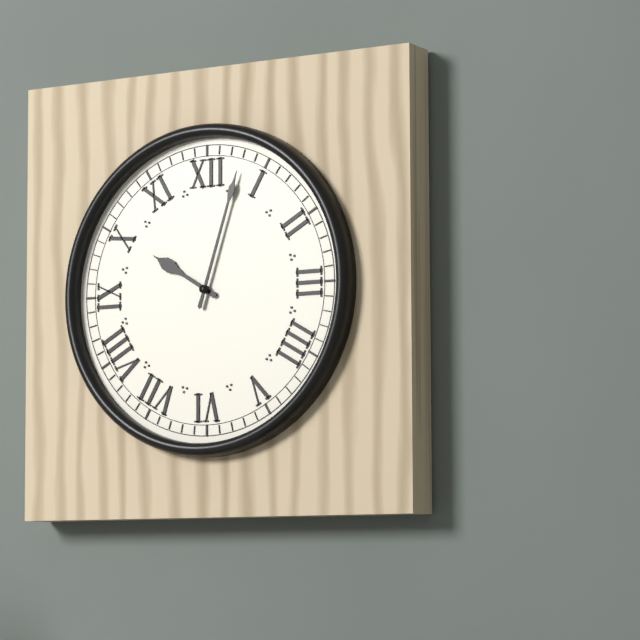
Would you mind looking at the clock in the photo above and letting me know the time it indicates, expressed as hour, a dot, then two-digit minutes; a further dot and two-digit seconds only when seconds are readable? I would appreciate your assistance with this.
10.03
